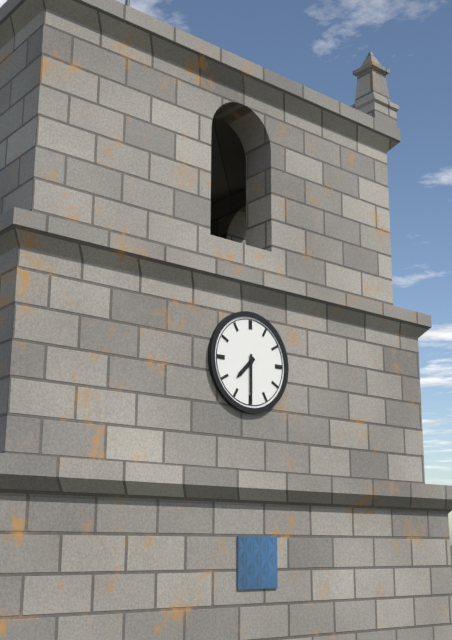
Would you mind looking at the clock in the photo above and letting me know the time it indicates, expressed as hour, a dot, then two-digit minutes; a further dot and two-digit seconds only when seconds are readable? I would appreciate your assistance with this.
7.30
